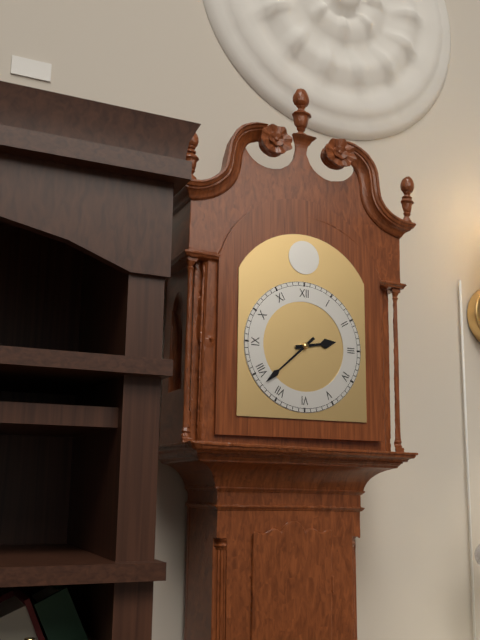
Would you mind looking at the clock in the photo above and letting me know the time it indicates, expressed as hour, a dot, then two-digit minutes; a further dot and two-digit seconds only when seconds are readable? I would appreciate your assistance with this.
2.38
